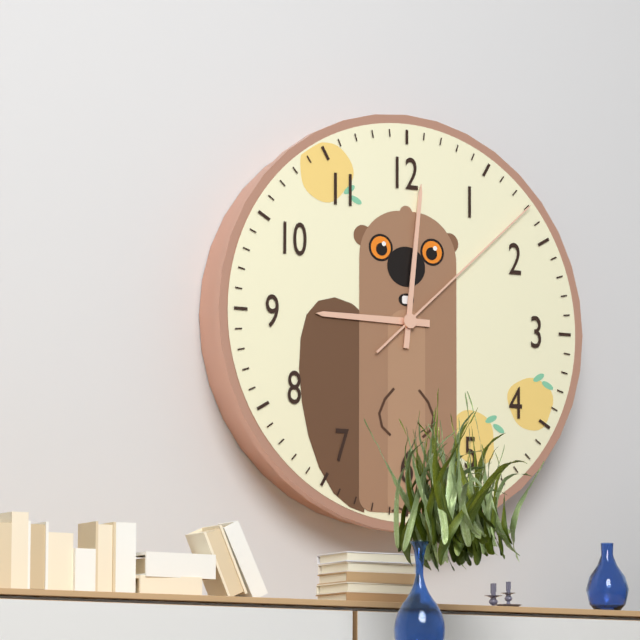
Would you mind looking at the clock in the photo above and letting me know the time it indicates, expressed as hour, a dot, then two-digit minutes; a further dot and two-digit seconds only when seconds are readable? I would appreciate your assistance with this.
9.01.08
